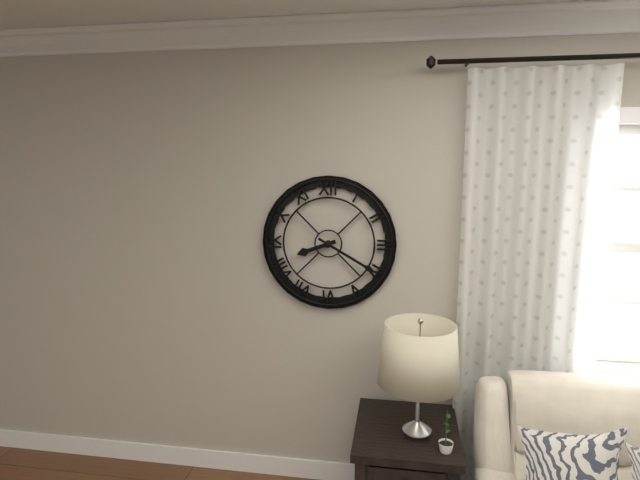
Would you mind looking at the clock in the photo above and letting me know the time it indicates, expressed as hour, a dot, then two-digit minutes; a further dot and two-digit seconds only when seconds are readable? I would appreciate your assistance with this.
8.20
